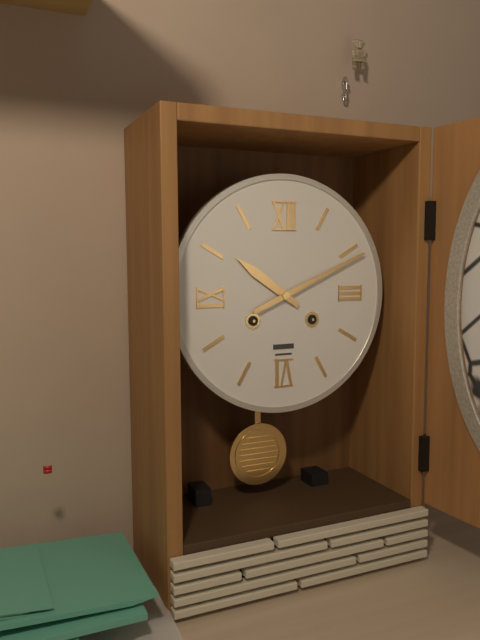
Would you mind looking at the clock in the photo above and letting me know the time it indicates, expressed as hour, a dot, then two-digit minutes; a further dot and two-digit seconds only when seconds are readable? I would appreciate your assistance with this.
10.11
